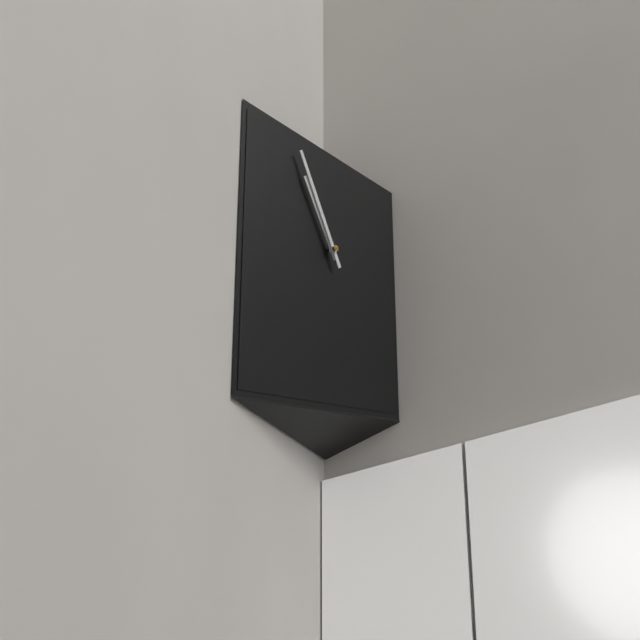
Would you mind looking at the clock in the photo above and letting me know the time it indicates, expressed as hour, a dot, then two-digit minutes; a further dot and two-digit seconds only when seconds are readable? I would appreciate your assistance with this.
10.55
